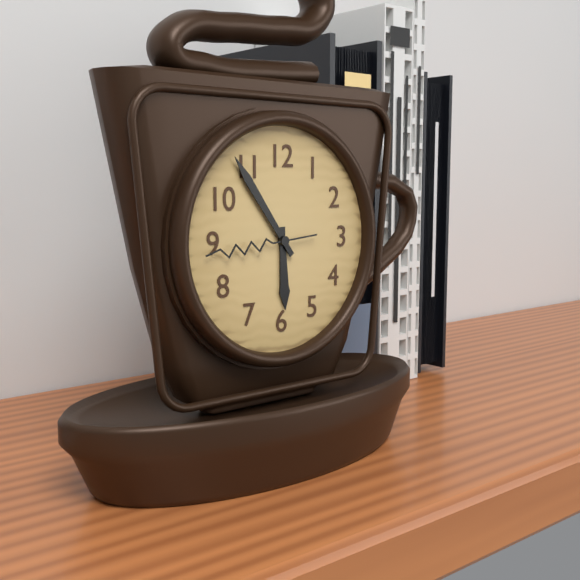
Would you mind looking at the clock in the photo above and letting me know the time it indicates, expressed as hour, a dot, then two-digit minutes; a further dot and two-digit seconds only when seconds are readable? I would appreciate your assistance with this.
5.54.44
